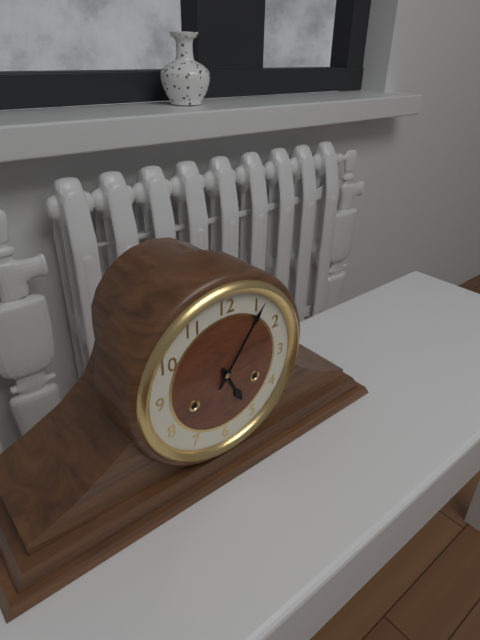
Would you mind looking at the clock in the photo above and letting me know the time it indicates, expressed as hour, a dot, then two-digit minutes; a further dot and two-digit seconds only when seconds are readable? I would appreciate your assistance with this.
5.06
